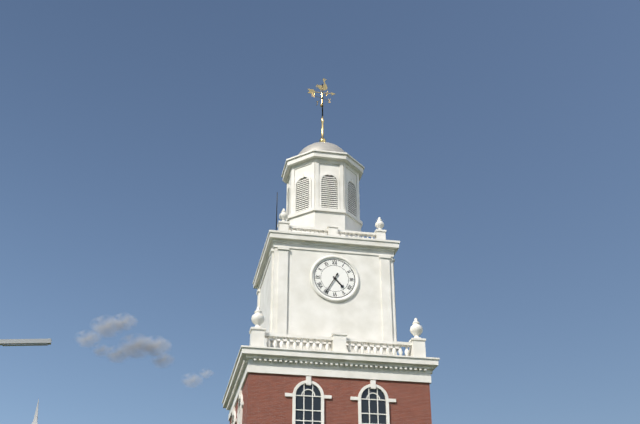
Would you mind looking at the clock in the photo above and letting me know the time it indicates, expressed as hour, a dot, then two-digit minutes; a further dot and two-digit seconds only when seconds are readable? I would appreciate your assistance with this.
4.35
